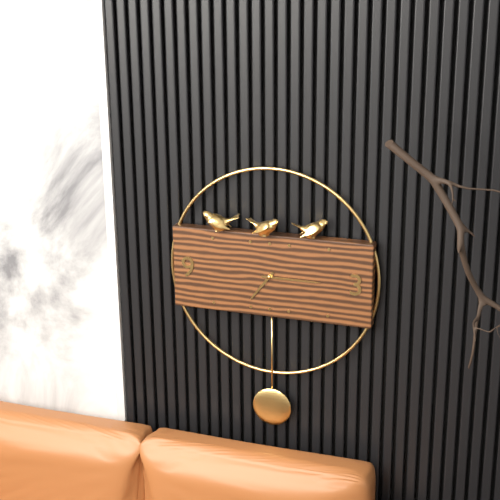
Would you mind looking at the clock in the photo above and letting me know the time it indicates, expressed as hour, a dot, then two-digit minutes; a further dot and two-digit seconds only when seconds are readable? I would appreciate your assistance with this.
7.15
